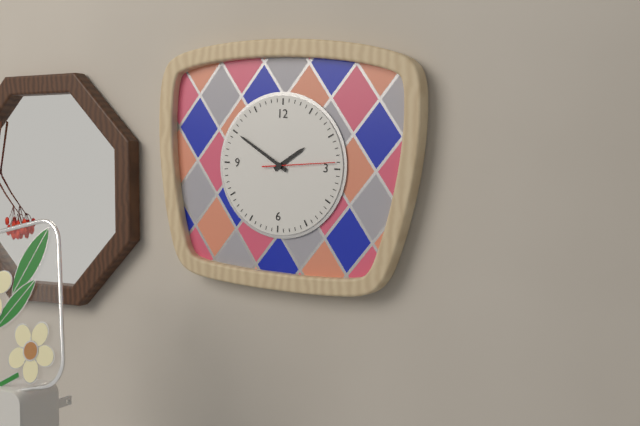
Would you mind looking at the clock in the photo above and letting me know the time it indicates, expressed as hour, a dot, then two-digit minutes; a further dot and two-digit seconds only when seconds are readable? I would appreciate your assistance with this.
1.50.14
